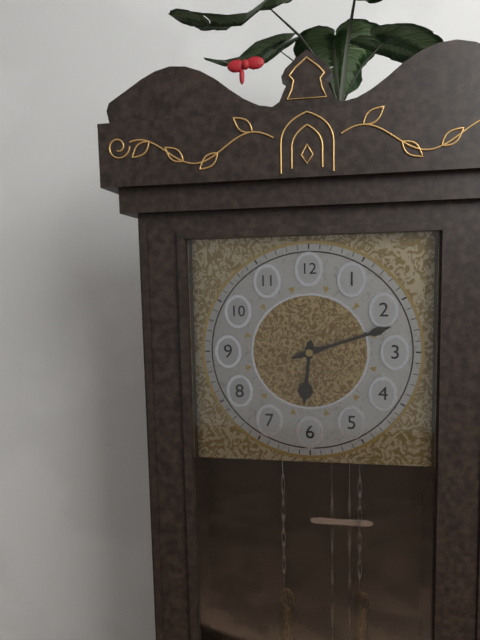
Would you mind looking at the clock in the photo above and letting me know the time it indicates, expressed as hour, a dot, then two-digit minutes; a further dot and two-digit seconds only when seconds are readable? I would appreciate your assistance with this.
6.12
